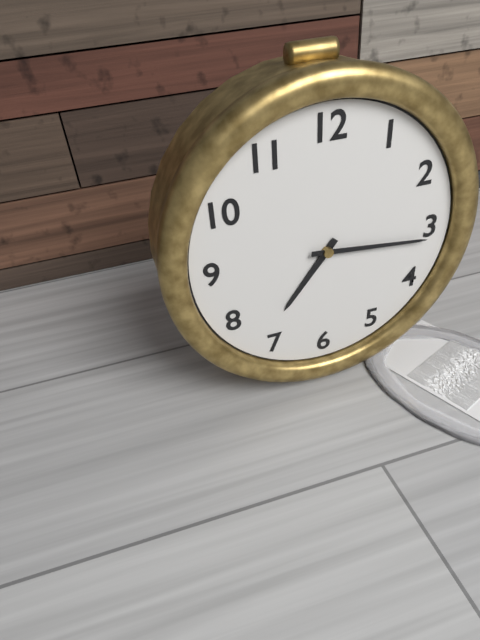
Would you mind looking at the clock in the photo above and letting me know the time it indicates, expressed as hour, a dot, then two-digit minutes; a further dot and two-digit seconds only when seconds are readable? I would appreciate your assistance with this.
7.16
